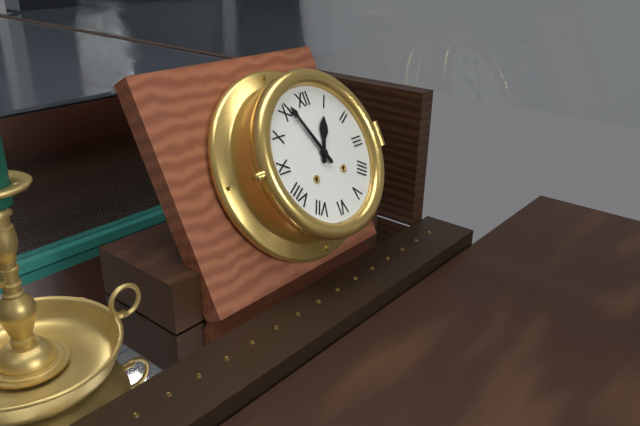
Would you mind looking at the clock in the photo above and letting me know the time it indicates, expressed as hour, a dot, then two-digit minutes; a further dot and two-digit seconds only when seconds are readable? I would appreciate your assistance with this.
12.56
